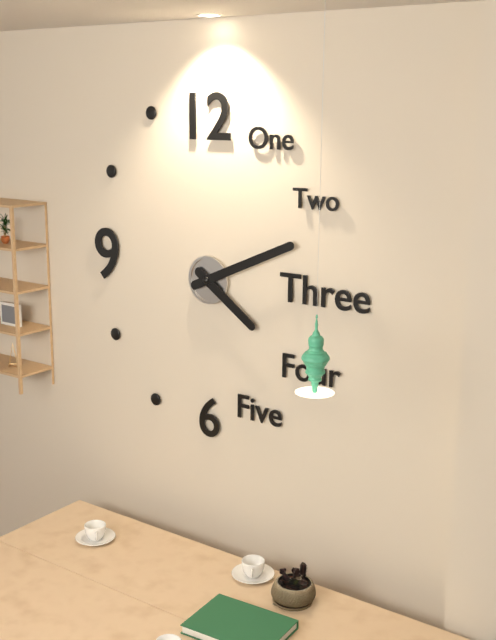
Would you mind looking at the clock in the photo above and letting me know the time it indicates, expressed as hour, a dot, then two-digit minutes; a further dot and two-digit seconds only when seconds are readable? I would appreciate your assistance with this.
4.11
